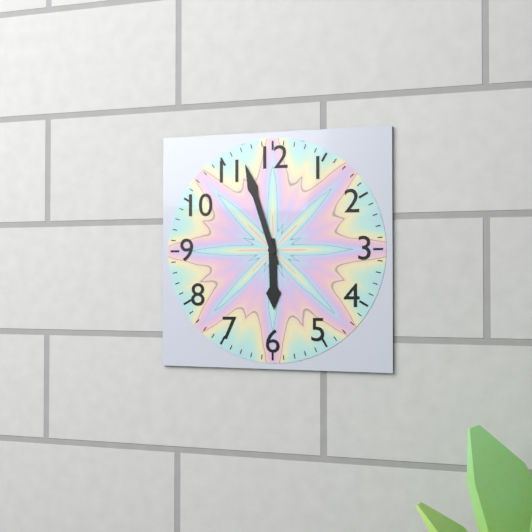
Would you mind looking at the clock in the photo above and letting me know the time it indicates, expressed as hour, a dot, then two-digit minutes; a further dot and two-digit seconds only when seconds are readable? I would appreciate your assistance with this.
5.57
